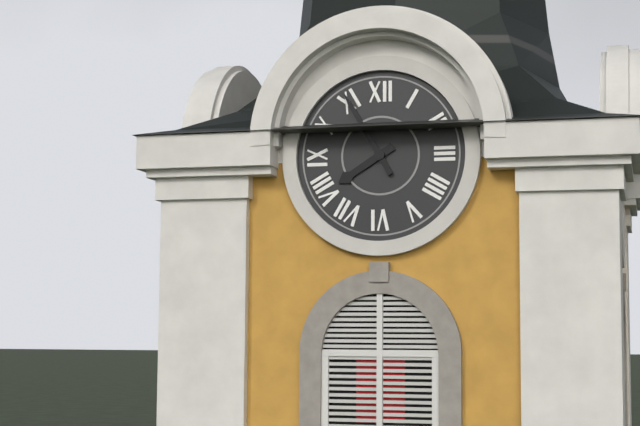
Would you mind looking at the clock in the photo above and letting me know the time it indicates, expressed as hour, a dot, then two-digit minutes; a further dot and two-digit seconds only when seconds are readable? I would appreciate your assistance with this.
7.55
